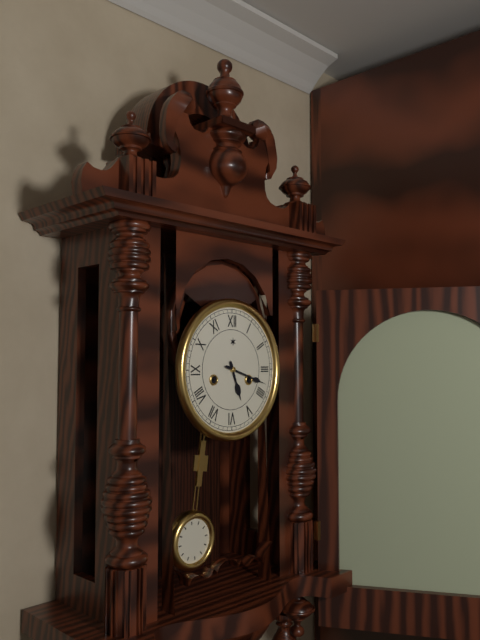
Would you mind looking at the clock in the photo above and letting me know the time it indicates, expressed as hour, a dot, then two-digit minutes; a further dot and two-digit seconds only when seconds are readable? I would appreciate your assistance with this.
5.18
